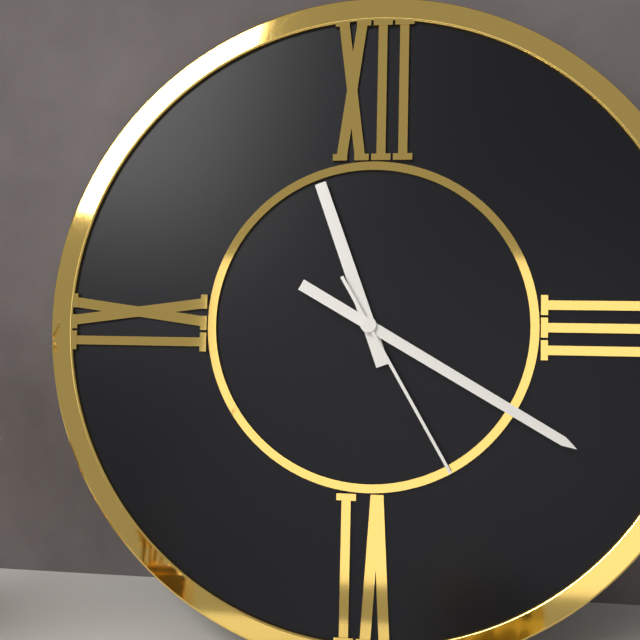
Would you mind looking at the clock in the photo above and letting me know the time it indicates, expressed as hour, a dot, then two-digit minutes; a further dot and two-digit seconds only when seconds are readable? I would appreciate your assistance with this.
11.20.25
